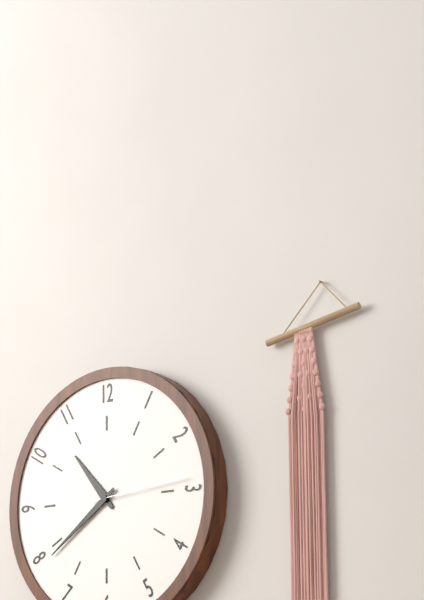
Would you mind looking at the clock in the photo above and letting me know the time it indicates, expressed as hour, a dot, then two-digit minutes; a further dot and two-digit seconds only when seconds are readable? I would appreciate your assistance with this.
10.39.14
